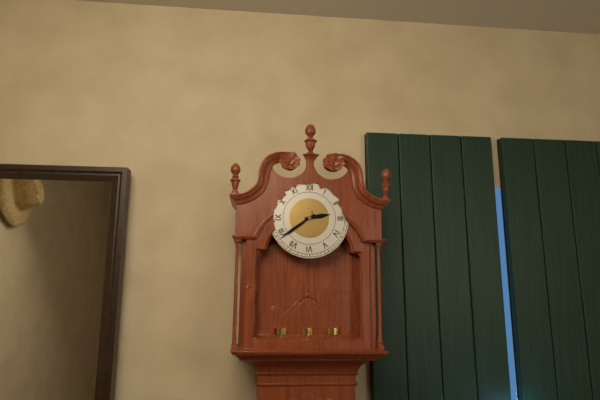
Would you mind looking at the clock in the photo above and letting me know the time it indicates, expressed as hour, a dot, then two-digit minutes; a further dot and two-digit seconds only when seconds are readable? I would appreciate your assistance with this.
2.39
